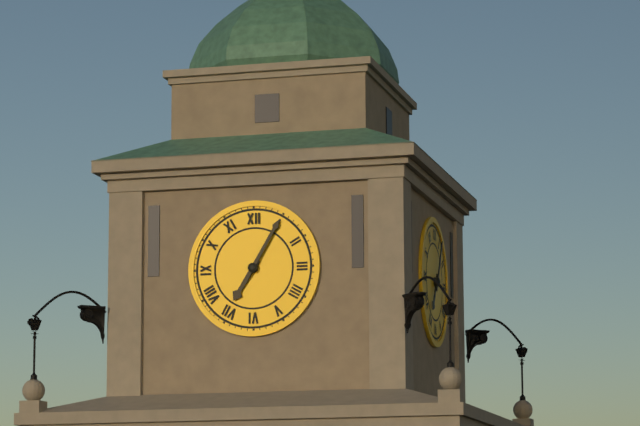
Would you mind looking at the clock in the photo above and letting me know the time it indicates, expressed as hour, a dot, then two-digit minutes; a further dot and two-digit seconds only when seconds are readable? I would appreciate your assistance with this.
7.05
